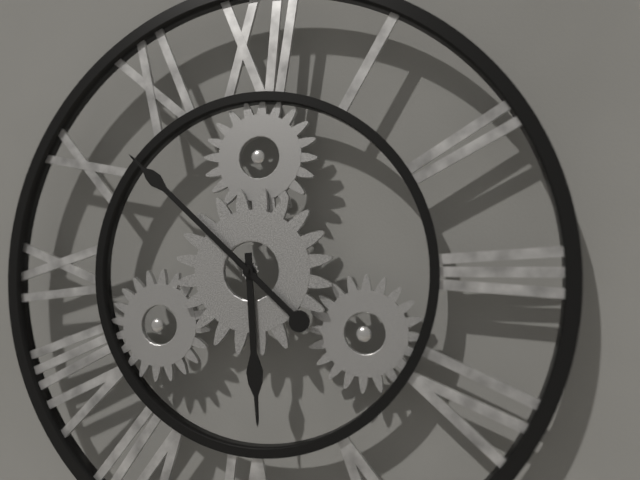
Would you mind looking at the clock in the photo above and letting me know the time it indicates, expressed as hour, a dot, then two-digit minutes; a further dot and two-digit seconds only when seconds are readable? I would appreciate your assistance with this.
5.52
